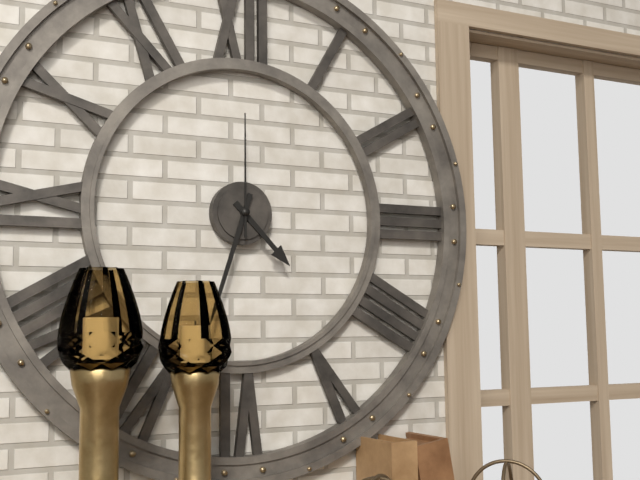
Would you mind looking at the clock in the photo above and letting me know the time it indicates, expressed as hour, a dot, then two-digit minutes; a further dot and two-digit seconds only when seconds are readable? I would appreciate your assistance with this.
4.33.00
